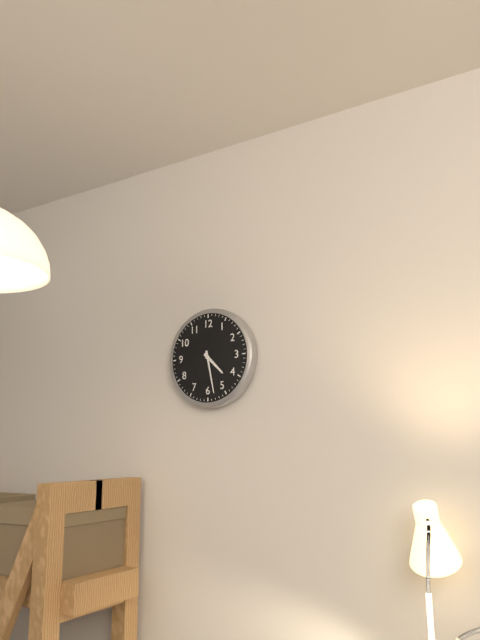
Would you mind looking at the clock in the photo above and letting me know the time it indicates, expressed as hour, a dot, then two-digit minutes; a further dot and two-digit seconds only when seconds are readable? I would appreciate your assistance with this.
4.28
